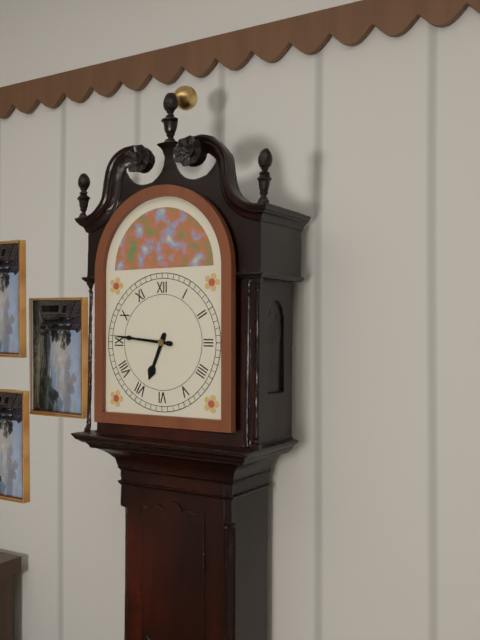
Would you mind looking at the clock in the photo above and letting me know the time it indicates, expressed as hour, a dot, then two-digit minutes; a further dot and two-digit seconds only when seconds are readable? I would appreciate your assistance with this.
6.46
